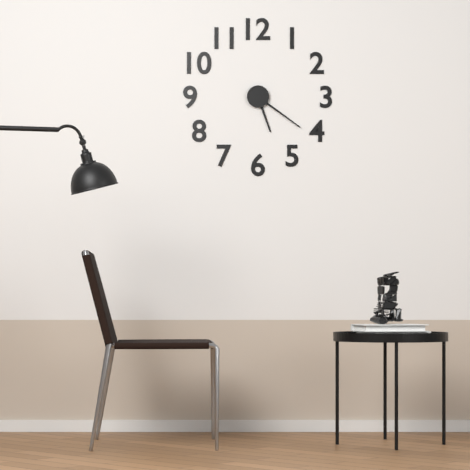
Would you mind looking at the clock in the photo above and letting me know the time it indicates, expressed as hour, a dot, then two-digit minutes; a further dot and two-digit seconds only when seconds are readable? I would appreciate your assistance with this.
5.21
